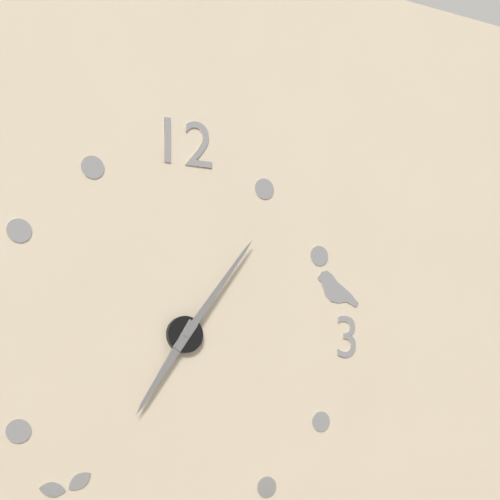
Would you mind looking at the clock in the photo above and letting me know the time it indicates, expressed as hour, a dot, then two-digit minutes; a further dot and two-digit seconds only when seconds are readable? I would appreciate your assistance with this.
7.06
